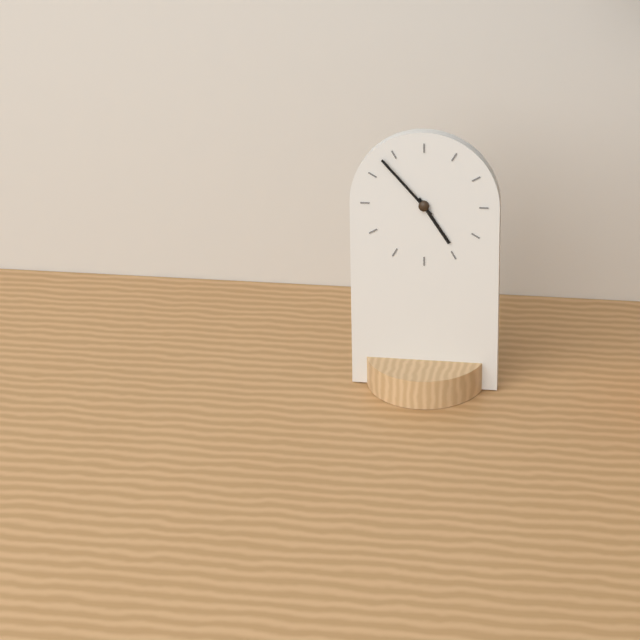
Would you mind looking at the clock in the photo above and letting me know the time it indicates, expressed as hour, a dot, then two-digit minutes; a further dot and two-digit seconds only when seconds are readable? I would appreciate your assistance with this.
4.53
